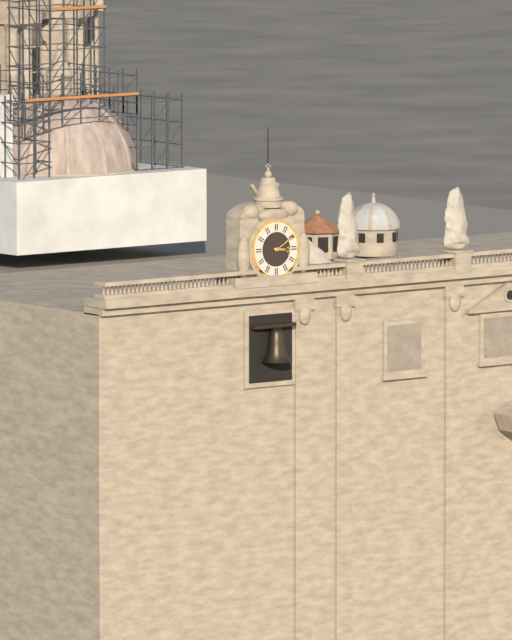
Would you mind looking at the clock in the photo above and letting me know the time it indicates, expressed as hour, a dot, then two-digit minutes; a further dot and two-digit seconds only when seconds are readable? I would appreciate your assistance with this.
3.10
